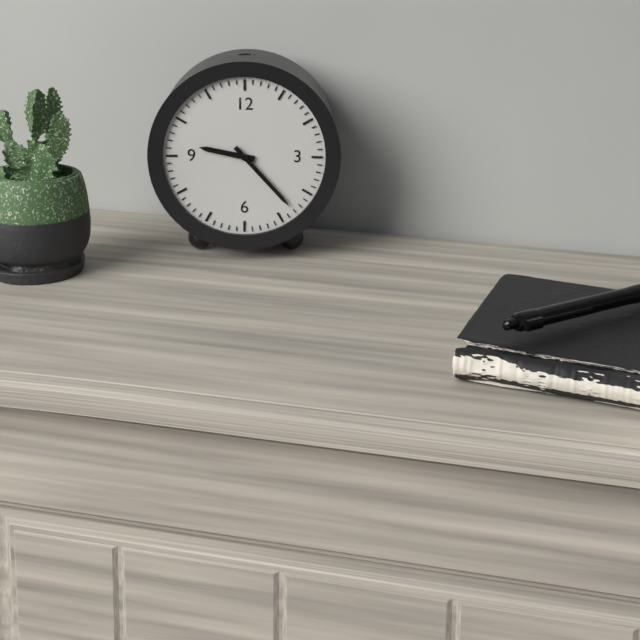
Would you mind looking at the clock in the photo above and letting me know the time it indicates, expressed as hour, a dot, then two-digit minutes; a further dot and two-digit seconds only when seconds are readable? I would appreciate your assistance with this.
9.23
